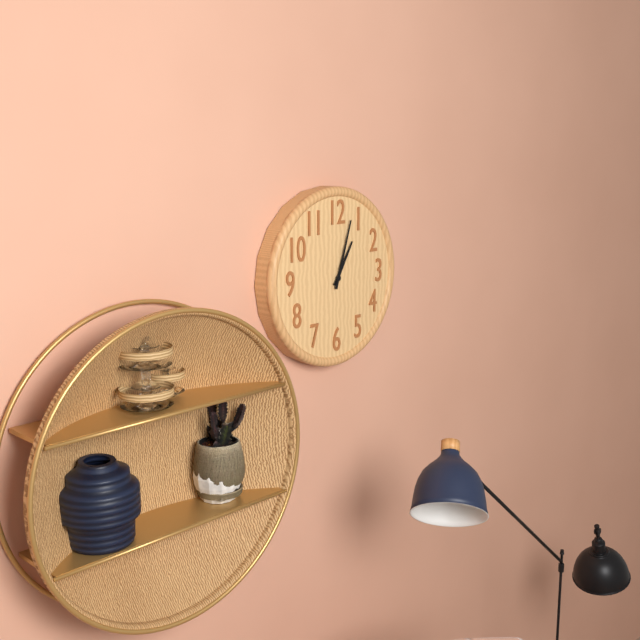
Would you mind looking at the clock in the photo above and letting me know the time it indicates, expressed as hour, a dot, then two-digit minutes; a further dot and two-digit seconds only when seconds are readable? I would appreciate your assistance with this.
1.03
